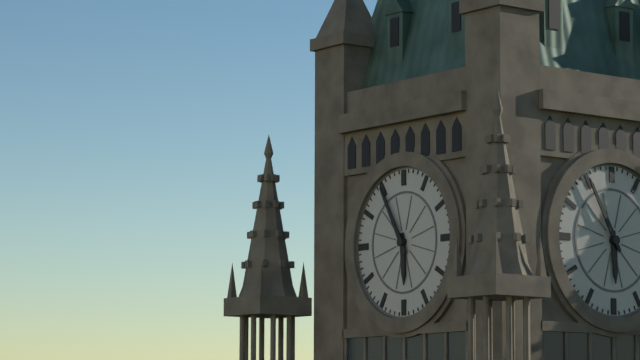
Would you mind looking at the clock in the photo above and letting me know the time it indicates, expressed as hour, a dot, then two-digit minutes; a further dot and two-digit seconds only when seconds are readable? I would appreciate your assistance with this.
5.55
